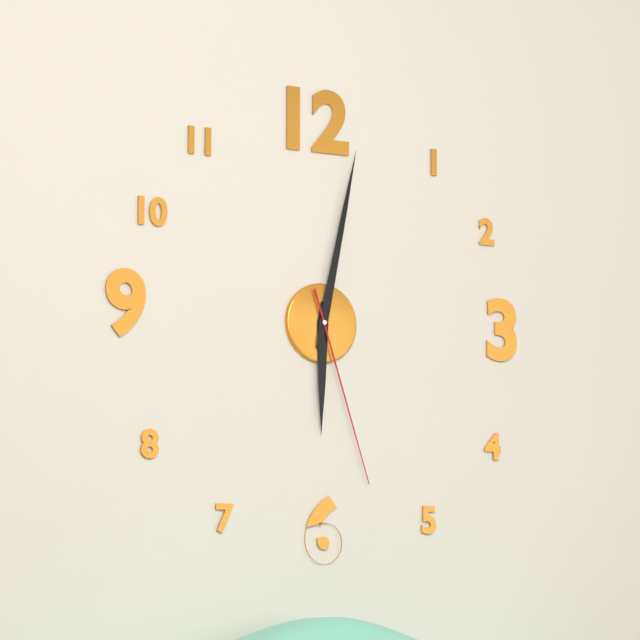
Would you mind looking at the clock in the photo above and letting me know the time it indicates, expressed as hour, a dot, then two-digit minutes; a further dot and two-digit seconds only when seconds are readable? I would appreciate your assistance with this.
6.02.27
